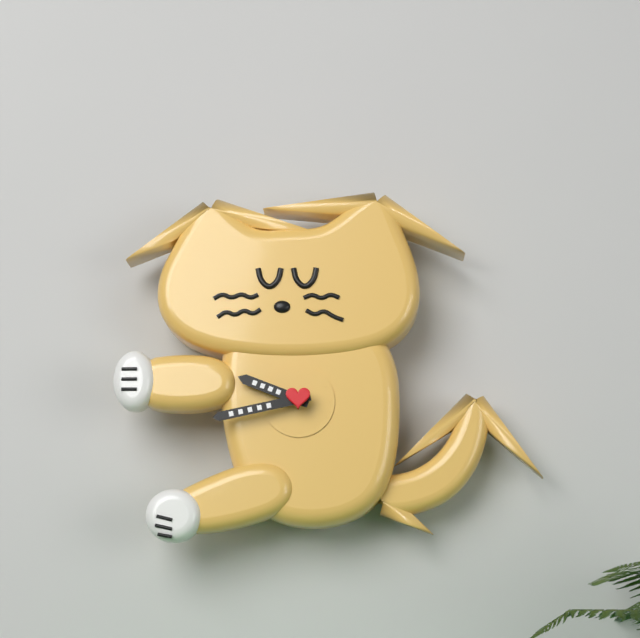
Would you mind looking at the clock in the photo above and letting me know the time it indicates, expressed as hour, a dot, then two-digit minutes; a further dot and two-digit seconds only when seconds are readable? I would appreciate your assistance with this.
9.43
